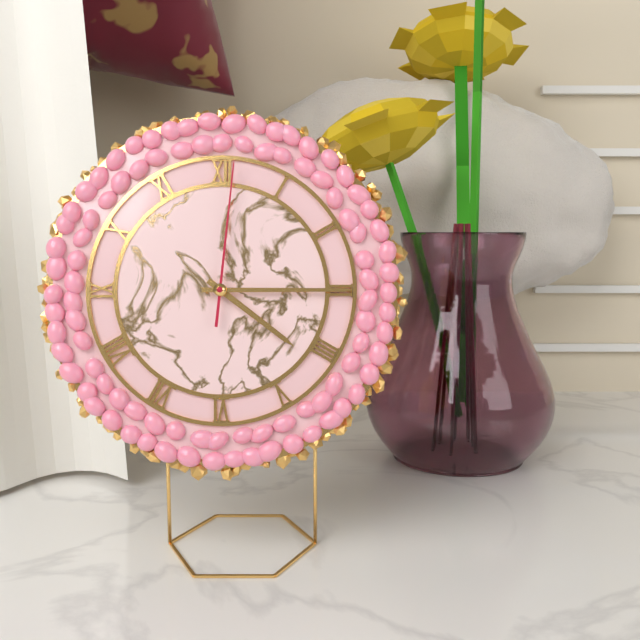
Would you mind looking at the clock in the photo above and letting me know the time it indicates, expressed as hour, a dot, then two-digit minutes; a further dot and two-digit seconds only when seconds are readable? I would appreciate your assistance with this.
4.15.01
